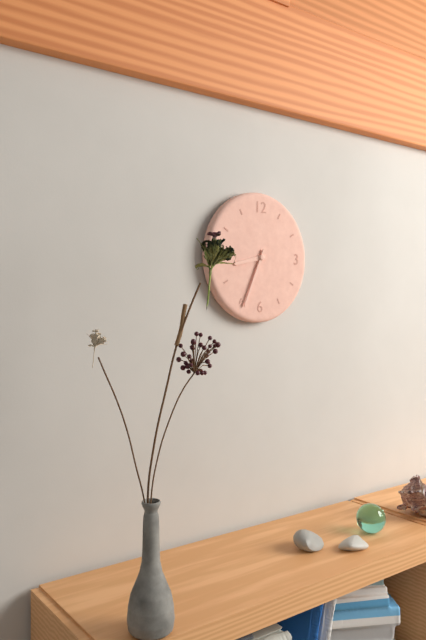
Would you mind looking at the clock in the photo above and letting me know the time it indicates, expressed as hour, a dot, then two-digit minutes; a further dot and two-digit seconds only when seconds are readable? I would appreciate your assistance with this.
8.34
